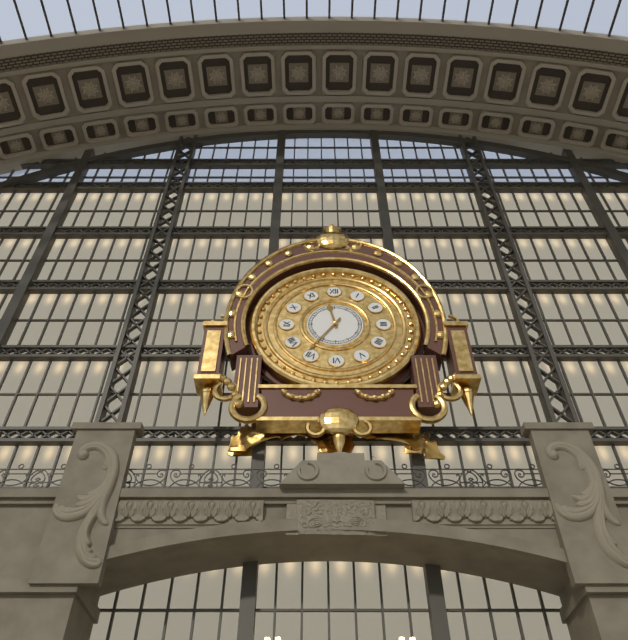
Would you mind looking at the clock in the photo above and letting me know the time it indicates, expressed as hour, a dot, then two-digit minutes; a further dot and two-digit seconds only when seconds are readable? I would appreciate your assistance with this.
11.36
